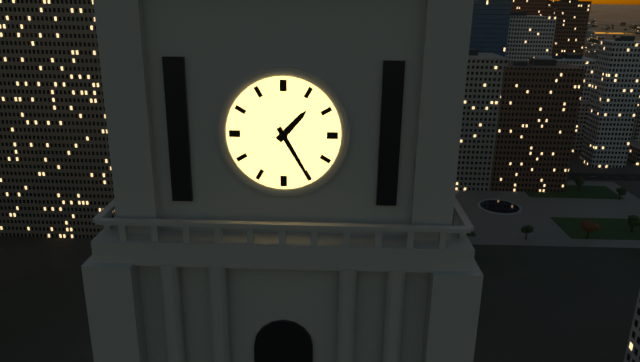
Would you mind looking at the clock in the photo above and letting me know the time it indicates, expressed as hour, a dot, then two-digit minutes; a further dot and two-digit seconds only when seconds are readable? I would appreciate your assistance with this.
1.25
